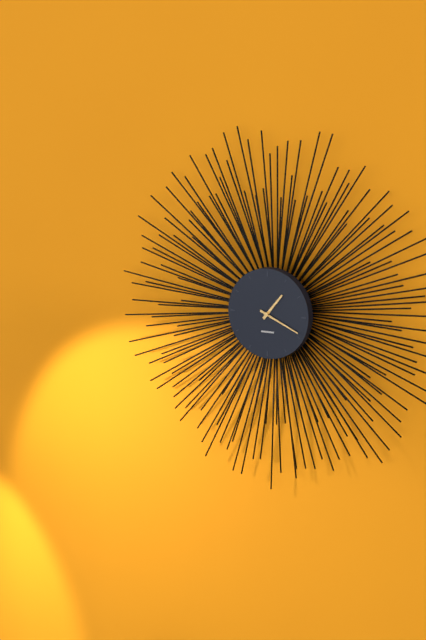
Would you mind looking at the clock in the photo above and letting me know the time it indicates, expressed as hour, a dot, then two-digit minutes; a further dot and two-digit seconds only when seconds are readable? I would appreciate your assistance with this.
1.19
